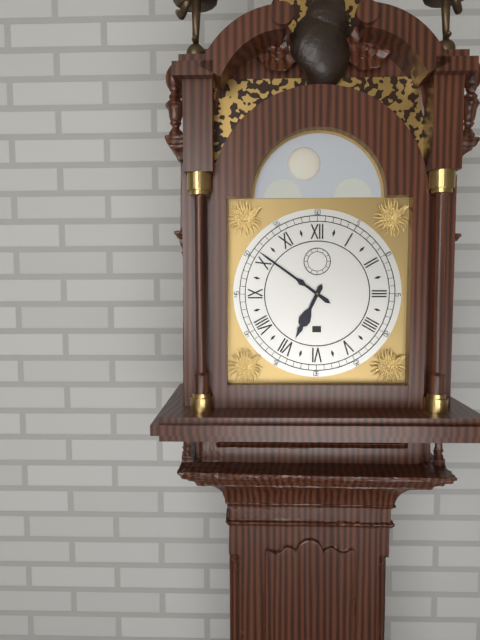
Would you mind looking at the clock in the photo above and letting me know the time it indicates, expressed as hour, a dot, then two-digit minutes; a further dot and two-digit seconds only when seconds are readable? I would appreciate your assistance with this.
6.51
